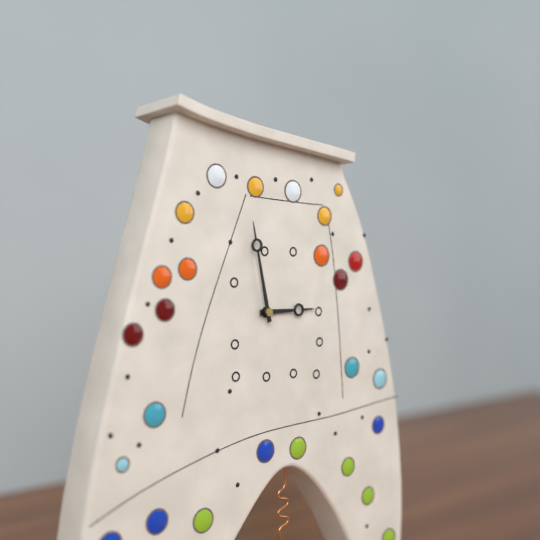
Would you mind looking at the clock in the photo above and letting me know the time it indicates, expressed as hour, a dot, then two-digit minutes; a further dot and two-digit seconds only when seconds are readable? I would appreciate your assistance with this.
2.58
